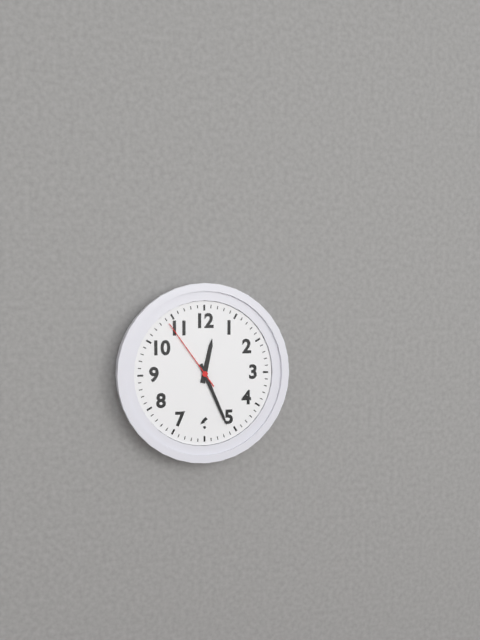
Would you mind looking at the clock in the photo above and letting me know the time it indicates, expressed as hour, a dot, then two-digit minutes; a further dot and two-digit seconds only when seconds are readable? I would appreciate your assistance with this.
12.26.54
